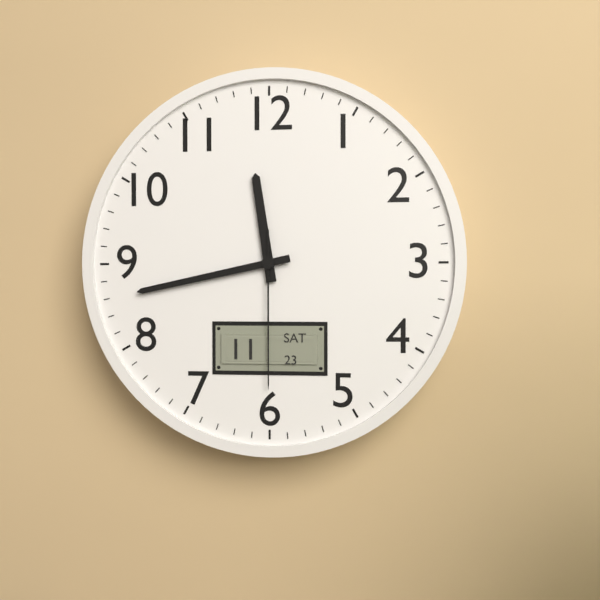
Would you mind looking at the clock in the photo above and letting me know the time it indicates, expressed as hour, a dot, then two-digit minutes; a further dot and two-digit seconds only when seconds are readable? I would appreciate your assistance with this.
11.43.30
